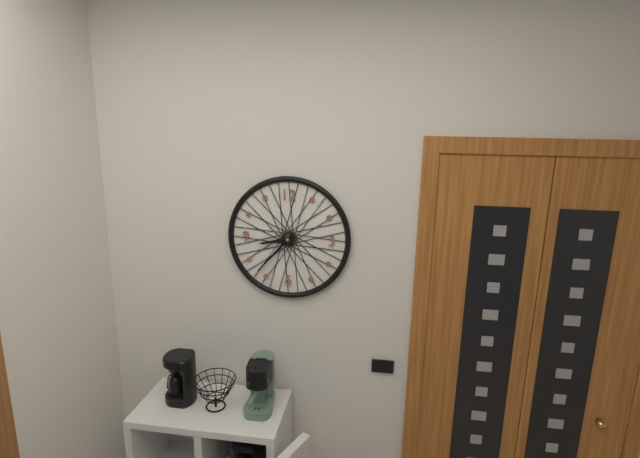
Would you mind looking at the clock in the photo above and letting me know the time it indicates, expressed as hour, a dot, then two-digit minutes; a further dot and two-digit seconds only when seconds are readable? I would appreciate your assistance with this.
8.37
